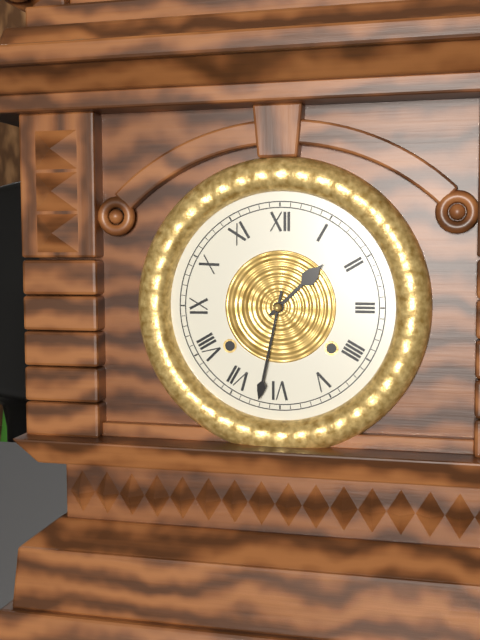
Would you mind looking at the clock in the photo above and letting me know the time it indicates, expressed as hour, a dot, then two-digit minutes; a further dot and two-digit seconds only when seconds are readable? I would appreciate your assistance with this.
1.32
